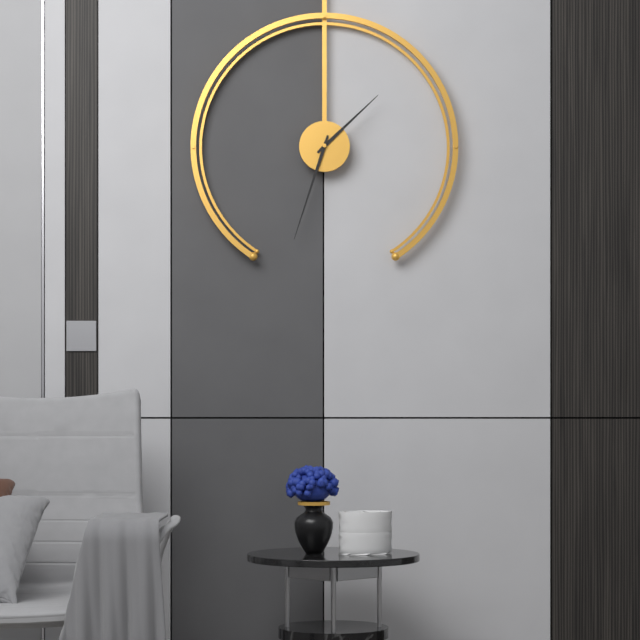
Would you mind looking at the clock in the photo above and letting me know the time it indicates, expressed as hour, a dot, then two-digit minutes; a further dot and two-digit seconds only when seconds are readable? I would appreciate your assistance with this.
1.33
